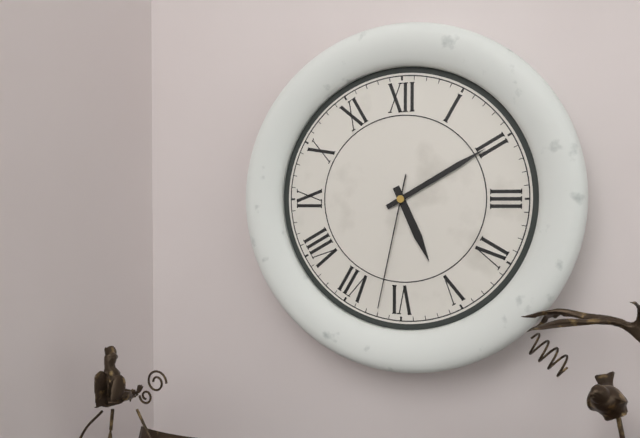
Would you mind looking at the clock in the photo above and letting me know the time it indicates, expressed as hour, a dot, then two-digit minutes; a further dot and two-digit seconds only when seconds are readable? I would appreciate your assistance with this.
5.10.32
